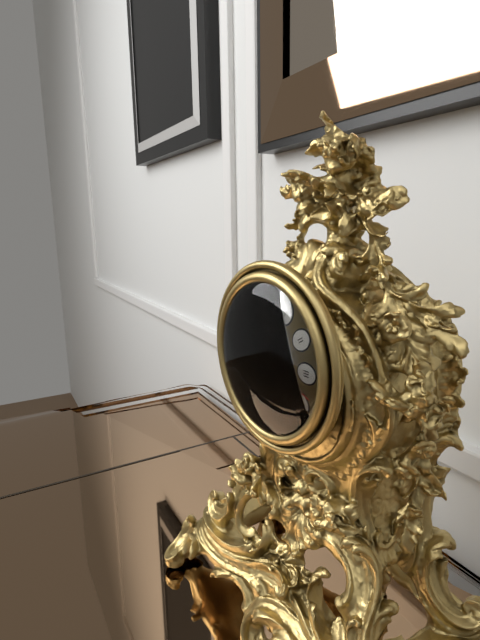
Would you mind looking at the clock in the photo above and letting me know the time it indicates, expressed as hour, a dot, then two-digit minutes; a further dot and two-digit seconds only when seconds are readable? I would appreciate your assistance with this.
12.18.18
